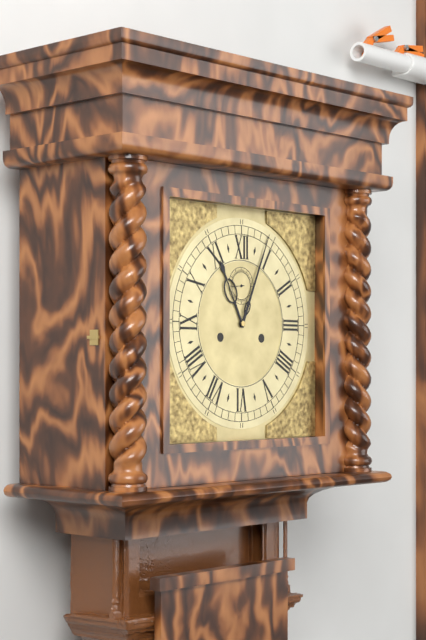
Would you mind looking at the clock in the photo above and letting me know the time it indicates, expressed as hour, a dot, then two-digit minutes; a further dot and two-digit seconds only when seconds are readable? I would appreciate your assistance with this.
11.04
